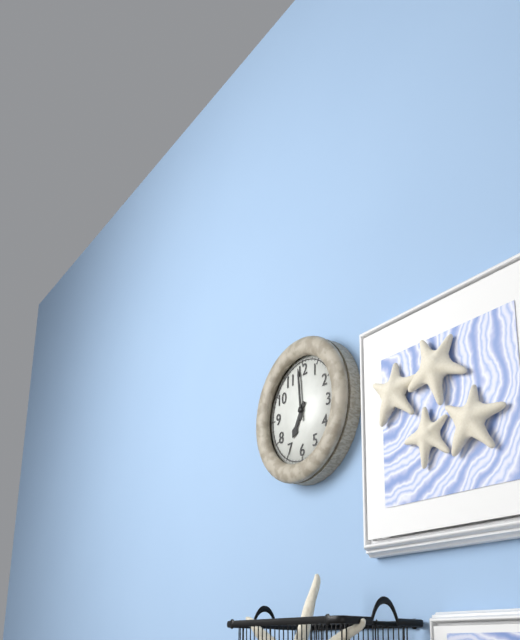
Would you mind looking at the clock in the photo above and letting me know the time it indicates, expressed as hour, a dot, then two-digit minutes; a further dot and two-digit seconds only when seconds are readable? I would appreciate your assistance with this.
6.59
